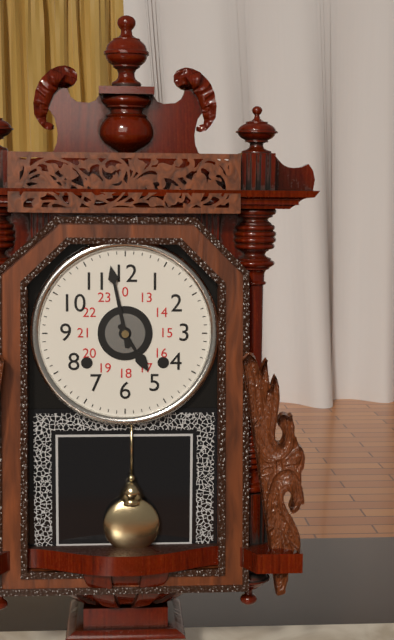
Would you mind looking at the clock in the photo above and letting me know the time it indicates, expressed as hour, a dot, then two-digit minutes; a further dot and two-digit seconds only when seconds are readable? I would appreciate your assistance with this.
4.58
